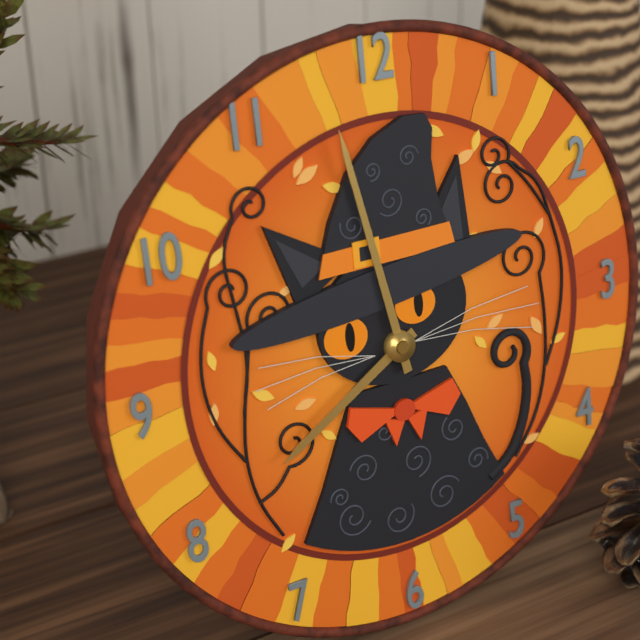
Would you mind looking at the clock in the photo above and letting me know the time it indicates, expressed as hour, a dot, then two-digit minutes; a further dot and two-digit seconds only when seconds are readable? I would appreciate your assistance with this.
7.58
